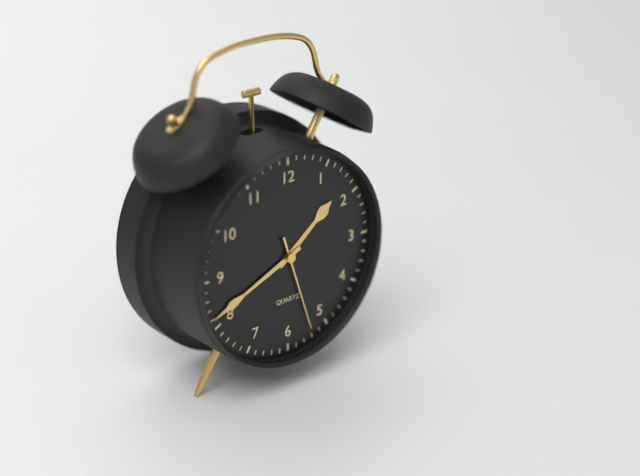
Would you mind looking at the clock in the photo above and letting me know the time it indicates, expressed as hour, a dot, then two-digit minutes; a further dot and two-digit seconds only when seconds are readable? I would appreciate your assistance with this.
1.41.27
